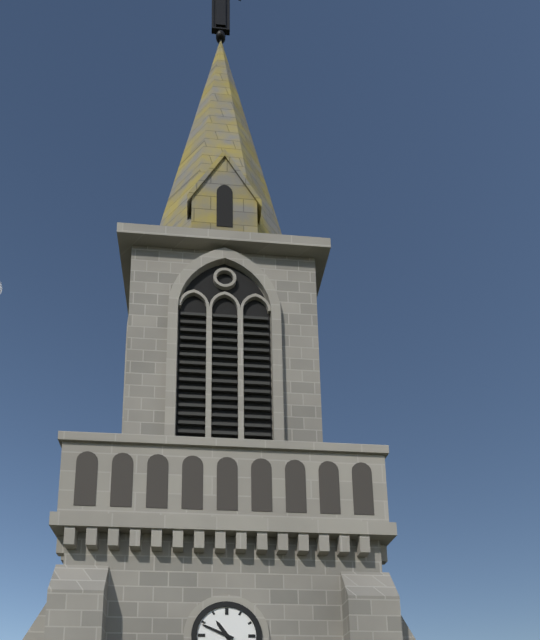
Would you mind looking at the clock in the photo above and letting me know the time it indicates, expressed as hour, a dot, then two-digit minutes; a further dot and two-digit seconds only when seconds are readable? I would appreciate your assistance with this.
10.49
